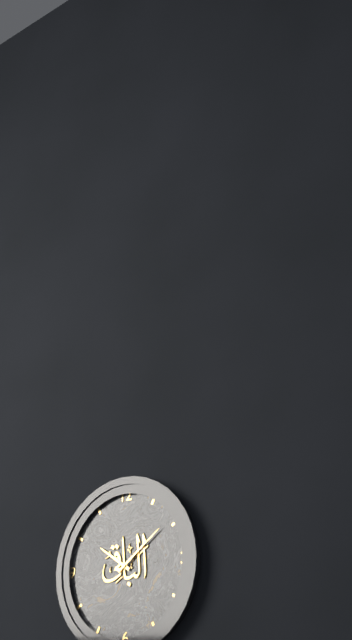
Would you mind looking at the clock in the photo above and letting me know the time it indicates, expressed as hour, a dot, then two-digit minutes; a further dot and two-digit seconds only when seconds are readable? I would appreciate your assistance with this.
10.09
